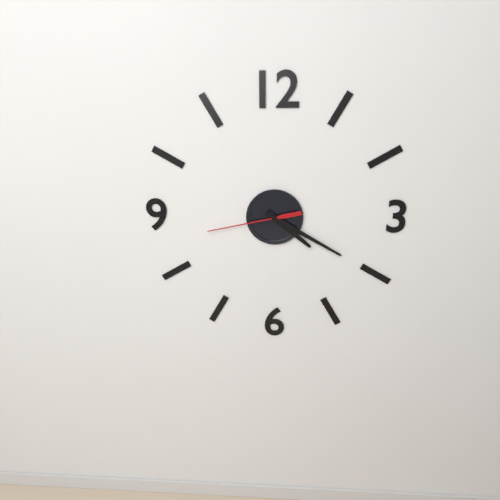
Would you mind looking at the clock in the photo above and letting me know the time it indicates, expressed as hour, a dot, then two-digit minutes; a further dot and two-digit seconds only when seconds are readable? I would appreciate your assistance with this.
4.20.43
